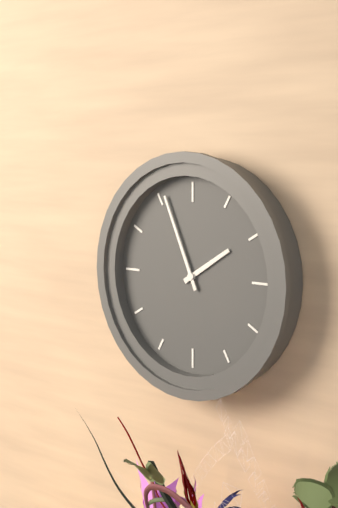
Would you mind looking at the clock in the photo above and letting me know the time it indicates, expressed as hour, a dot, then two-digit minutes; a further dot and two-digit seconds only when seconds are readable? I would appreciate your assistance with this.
1.56
